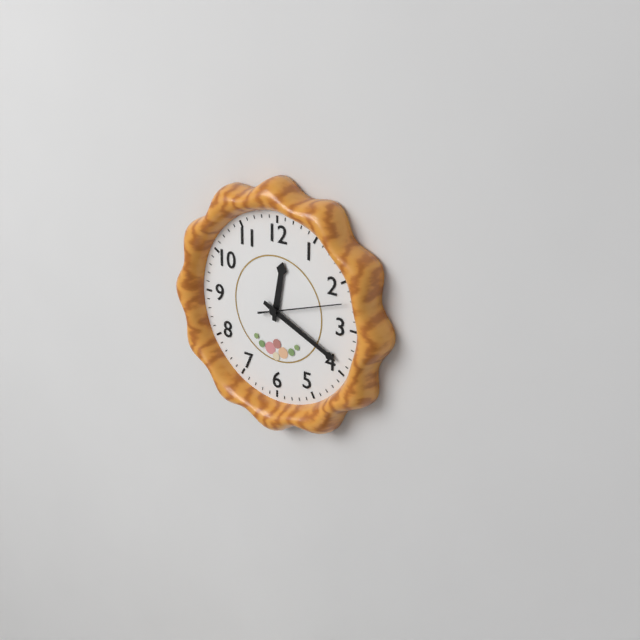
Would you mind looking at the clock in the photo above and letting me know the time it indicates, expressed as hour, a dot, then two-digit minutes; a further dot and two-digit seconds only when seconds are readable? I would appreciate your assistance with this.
12.19.12
